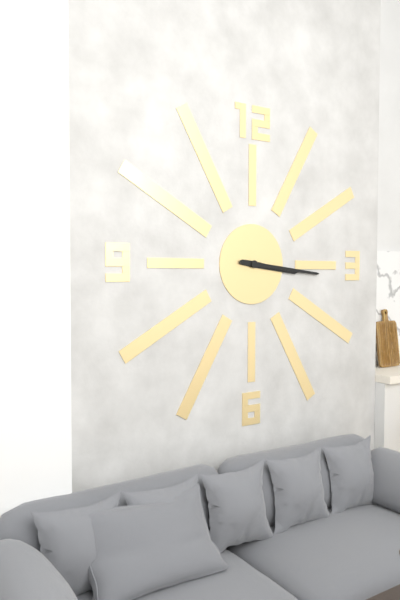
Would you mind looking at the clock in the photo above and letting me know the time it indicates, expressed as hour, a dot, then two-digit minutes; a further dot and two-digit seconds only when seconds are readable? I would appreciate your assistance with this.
3.16
